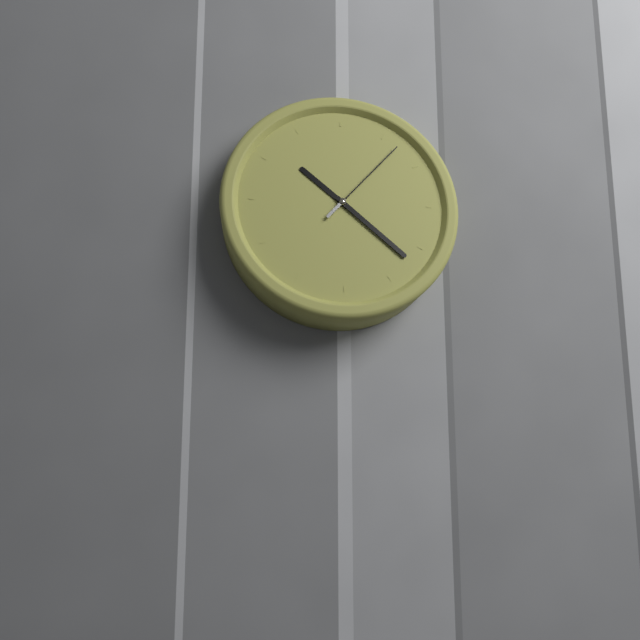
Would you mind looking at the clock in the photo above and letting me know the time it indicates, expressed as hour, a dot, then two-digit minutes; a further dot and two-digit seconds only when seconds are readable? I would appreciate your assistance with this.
10.22.07
